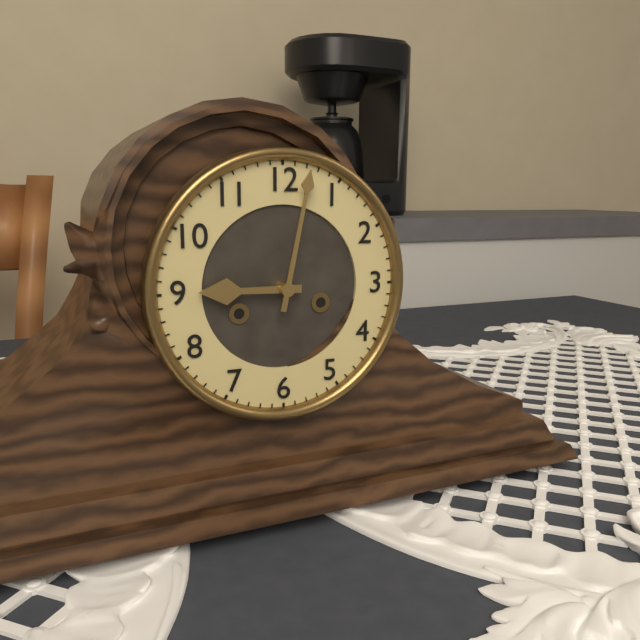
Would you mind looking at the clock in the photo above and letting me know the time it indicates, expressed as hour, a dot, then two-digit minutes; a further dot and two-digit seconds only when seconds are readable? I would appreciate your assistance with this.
9.02
